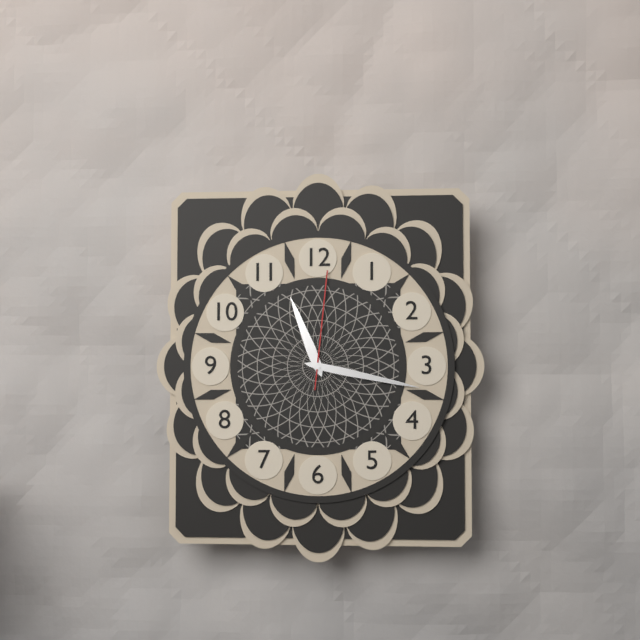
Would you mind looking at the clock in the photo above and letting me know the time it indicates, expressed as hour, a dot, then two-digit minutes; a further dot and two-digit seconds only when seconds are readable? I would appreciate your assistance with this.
11.17.01
